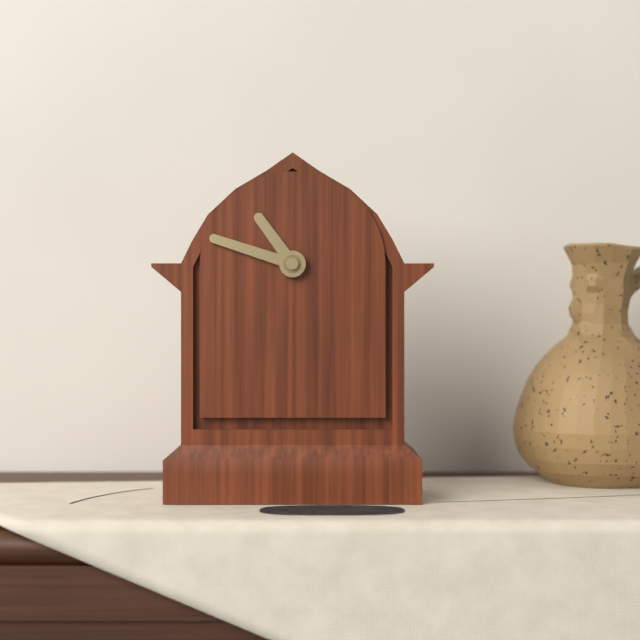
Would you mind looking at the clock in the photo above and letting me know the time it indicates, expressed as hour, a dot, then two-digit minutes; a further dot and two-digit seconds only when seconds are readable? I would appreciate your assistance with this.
10.48
